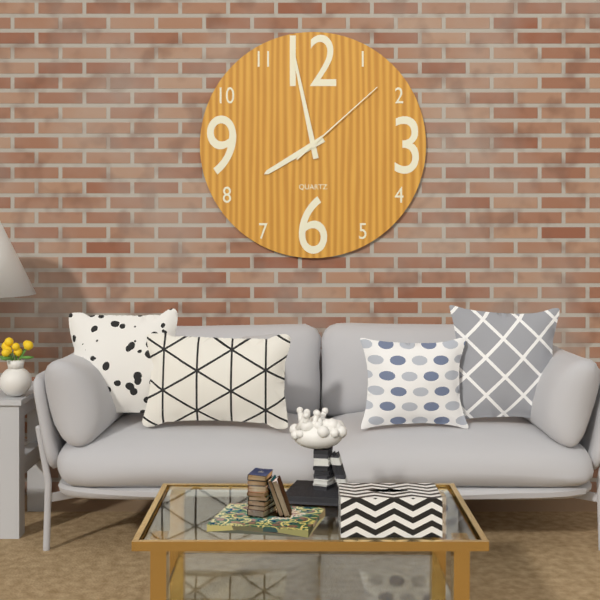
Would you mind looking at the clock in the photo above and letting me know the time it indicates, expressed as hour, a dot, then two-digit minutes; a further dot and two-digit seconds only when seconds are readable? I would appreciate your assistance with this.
7.58.08
